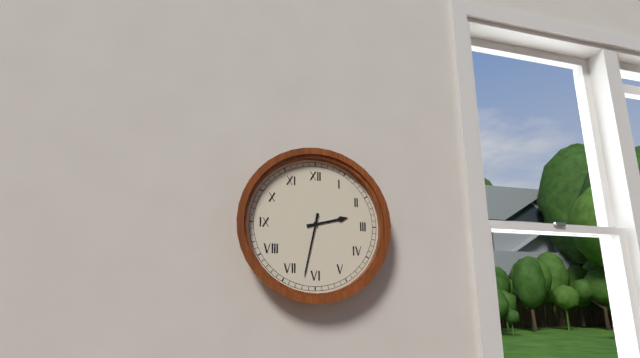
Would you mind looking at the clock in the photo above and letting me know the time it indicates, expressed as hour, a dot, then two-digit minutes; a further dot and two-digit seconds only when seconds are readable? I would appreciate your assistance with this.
2.32
